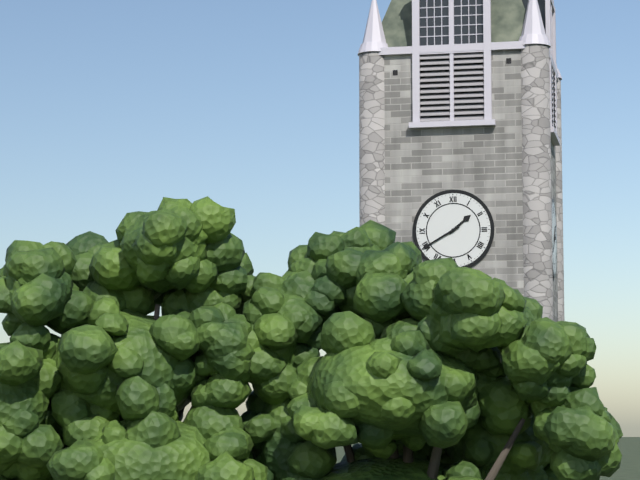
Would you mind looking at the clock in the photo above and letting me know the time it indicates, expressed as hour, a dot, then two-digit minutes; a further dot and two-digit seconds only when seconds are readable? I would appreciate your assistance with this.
1.40
